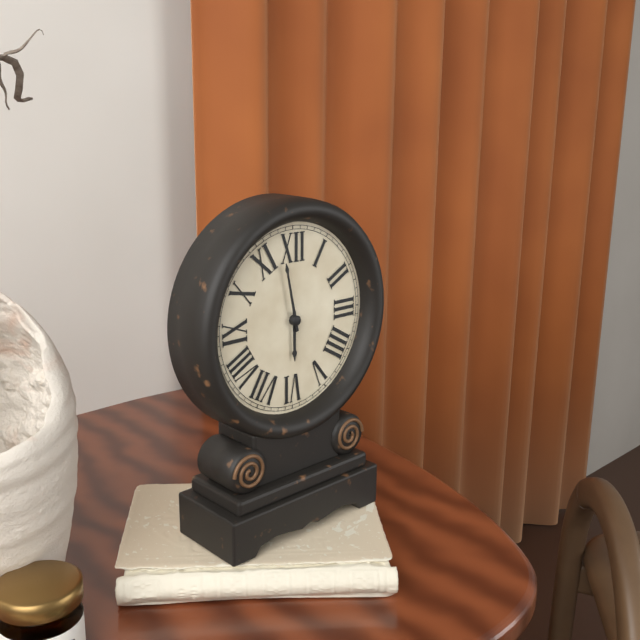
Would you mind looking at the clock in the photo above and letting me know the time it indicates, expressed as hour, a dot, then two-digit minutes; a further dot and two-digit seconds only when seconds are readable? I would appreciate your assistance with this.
5.58
